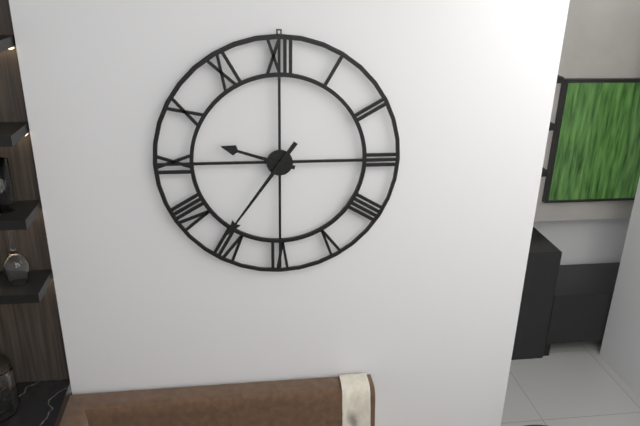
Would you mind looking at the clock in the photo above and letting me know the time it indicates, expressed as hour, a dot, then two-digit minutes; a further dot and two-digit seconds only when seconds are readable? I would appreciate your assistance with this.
9.36
